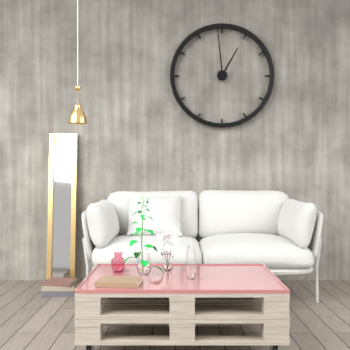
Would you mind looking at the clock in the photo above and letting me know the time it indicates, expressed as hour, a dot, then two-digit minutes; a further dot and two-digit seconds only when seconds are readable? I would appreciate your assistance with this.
12.59
